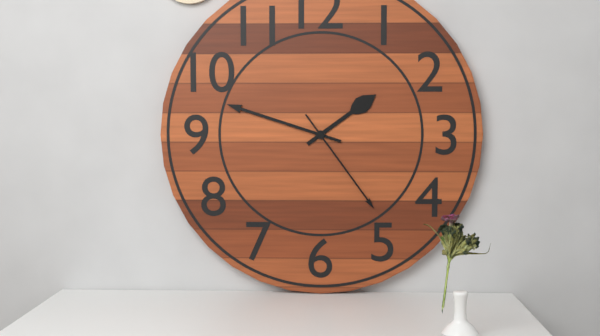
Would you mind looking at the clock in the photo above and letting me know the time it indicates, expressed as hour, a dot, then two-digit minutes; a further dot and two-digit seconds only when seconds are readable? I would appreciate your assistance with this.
1.48.24
